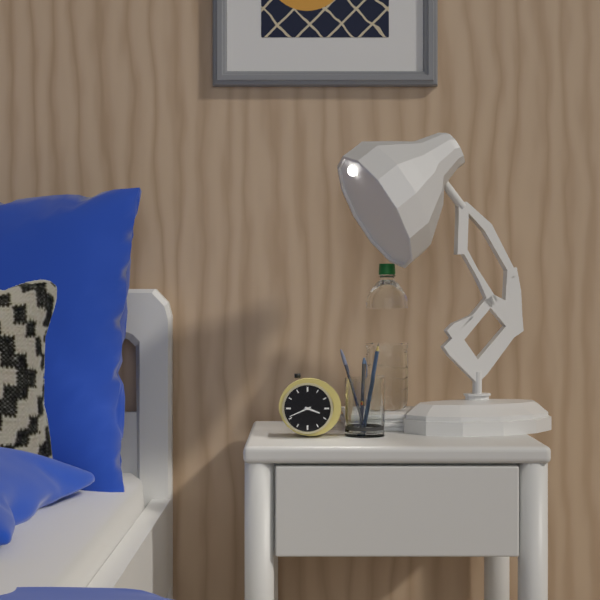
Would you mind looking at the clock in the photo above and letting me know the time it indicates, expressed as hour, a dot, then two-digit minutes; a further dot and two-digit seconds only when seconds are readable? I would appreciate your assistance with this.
3.41
